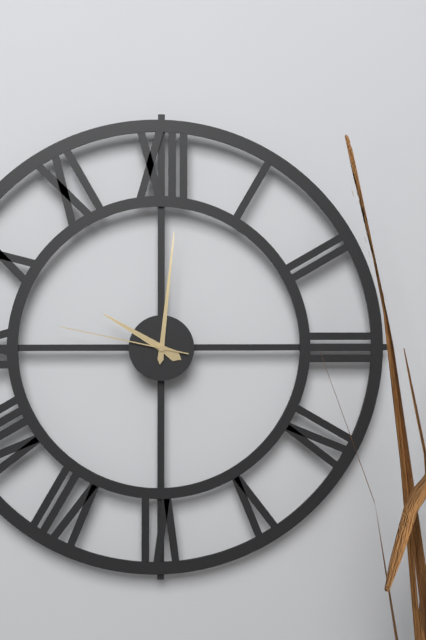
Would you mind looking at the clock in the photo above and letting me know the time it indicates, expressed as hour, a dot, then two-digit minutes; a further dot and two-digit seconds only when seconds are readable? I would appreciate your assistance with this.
10.01.47
